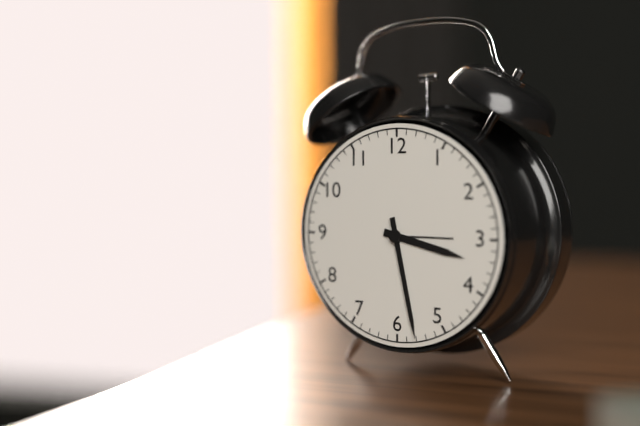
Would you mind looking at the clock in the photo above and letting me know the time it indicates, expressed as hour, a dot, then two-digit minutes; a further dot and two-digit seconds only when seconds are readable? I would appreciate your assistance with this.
3.28
